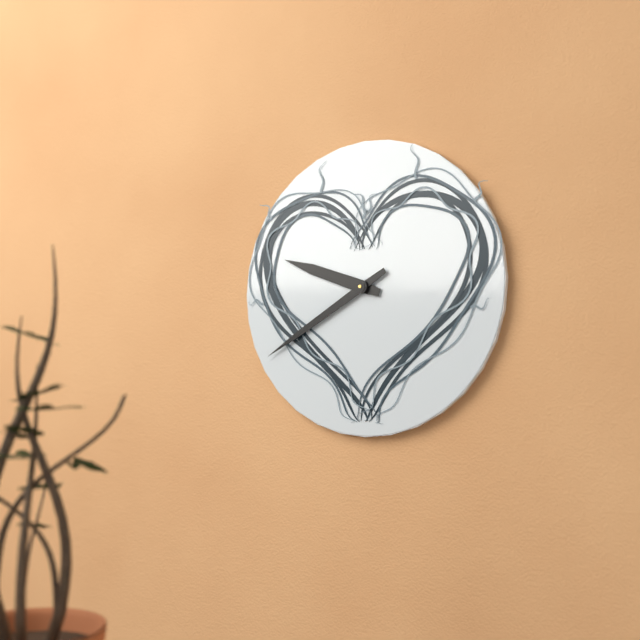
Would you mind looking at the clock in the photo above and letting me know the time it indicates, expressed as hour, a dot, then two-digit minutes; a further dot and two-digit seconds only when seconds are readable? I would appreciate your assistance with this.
9.40
